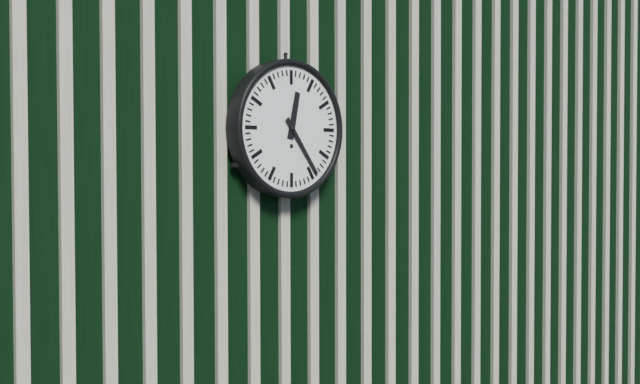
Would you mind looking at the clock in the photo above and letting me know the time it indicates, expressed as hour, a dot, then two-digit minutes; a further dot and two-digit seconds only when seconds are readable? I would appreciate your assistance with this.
12.24
